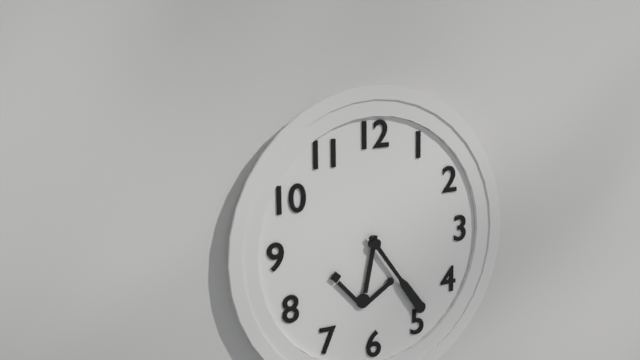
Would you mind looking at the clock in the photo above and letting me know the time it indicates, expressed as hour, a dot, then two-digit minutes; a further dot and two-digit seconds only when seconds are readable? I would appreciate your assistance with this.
6.24
